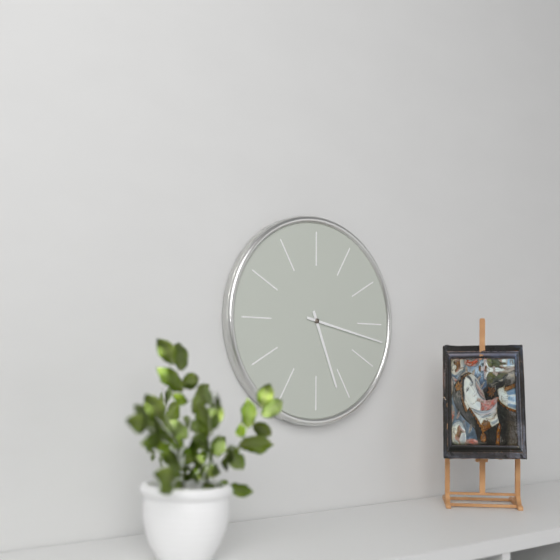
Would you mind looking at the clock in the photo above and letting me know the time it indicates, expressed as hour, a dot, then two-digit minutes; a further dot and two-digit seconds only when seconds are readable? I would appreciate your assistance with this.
5.17
